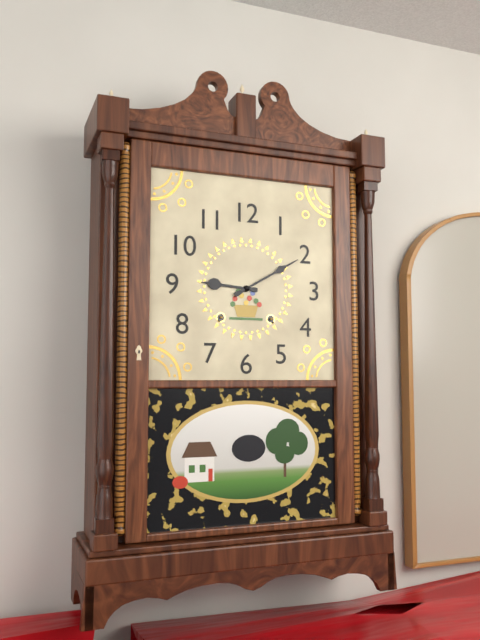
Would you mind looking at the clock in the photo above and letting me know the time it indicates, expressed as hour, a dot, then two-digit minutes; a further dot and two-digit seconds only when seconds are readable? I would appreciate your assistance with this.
9.10
